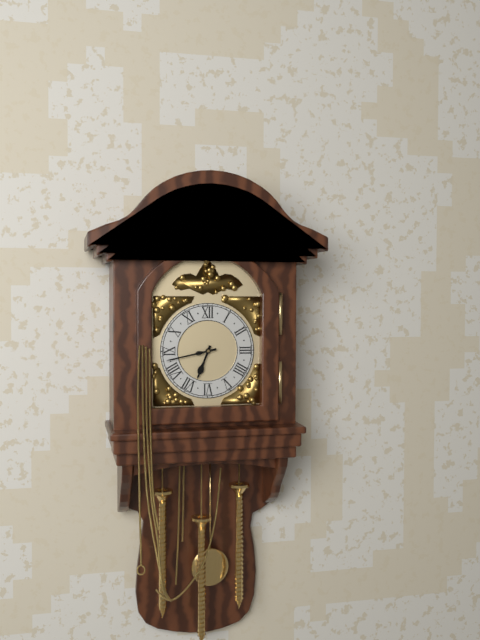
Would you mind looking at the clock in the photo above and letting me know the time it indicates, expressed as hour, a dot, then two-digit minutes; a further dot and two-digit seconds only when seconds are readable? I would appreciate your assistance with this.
6.43
